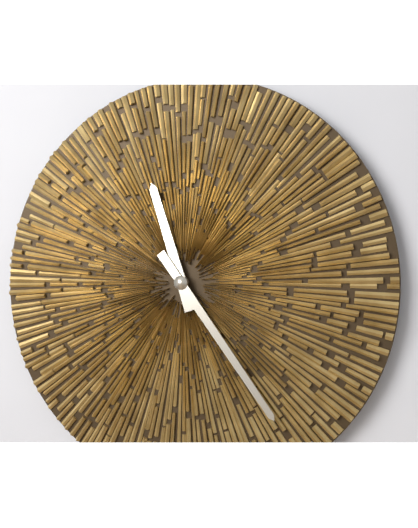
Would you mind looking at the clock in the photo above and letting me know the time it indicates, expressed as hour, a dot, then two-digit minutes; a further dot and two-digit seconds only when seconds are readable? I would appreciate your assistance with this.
11.24
